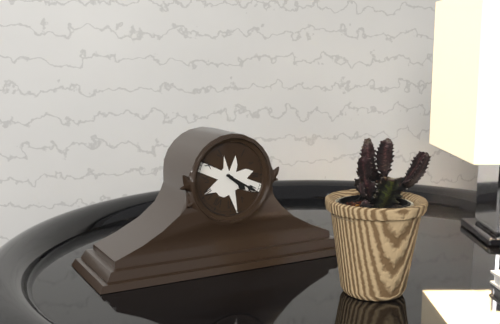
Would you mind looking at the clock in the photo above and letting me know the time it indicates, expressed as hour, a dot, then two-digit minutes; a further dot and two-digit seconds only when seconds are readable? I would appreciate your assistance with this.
4.20
